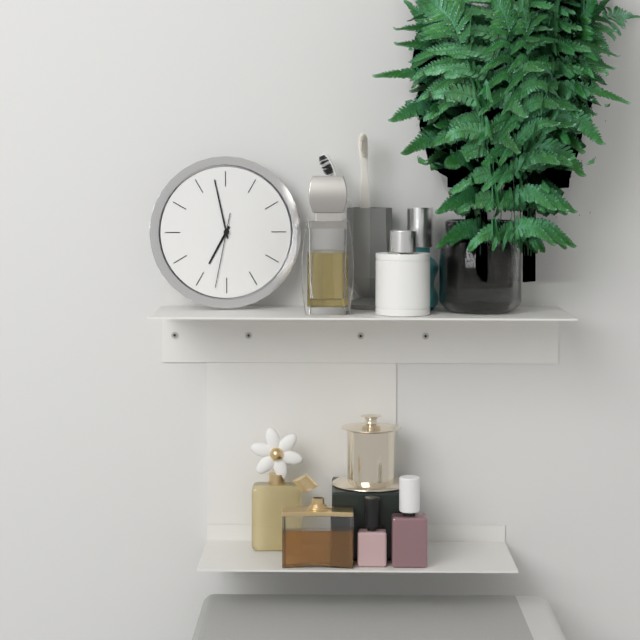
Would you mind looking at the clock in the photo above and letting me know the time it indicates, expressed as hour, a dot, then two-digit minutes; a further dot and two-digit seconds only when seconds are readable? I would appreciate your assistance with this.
6.58.32
